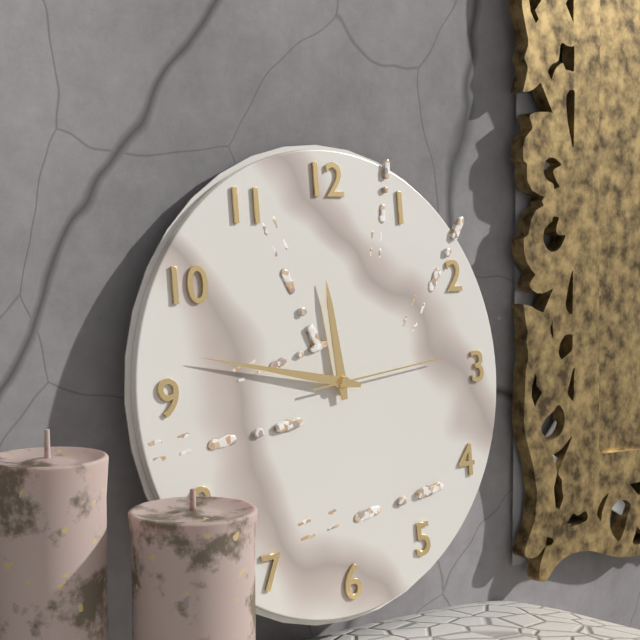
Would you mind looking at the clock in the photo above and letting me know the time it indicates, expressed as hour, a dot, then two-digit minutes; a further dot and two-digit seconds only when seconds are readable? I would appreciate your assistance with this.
11.47.14
